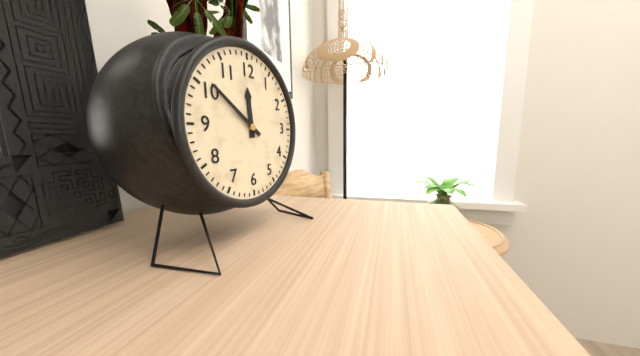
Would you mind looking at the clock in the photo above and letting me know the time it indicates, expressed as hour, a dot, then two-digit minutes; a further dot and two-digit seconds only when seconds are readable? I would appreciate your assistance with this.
11.51
